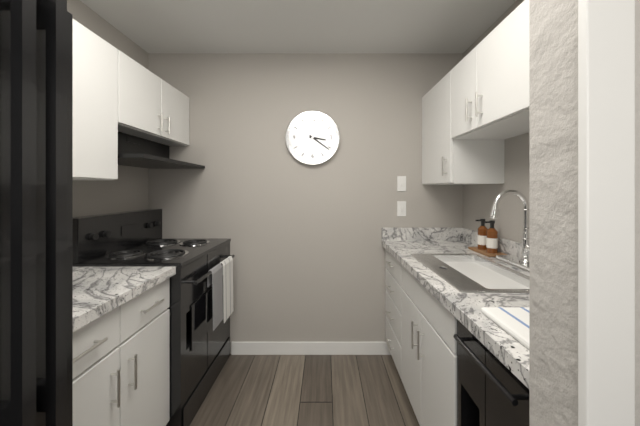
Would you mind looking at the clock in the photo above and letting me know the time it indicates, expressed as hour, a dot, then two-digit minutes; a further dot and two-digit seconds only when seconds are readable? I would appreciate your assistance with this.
3.21
